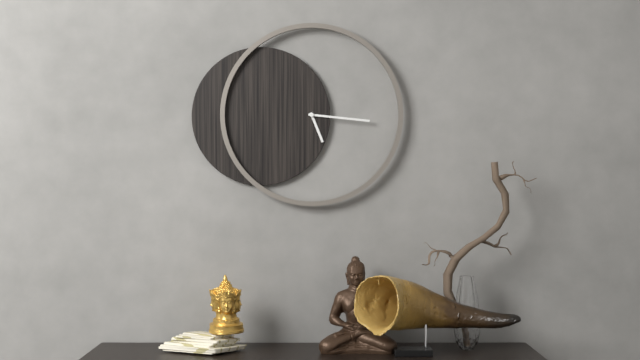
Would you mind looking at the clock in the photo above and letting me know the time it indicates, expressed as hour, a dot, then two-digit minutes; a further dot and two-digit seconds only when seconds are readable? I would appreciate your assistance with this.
5.16
